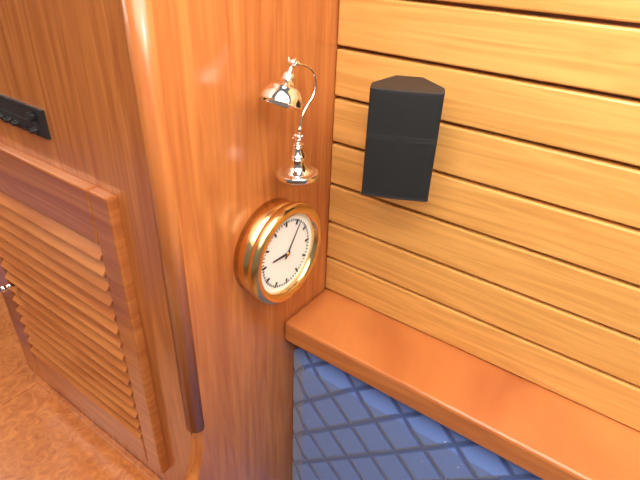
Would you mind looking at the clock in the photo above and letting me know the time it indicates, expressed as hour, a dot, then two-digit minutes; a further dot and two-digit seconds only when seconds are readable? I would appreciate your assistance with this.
9.06
